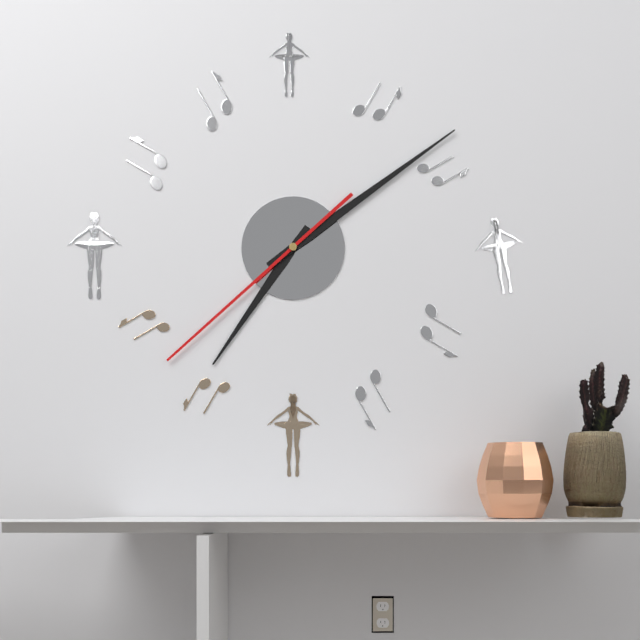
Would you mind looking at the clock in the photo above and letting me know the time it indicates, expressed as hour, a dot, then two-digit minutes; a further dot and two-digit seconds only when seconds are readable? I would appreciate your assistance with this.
7.09.38
